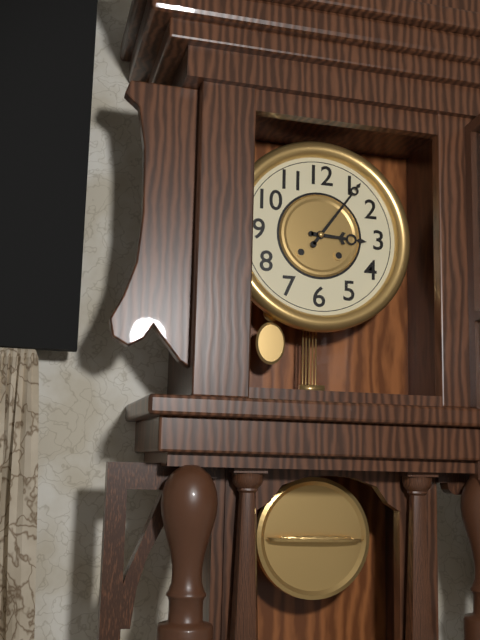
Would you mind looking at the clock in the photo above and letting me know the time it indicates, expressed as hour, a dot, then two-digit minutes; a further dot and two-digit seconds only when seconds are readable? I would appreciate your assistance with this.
3.06
